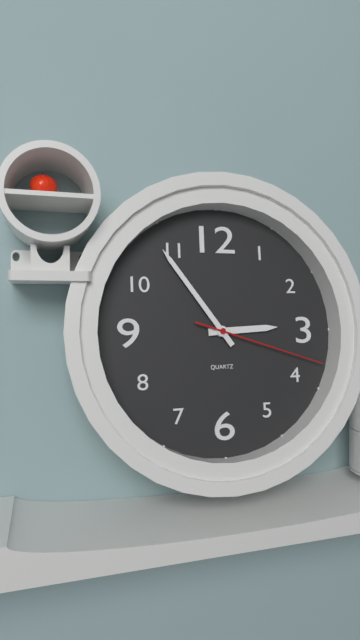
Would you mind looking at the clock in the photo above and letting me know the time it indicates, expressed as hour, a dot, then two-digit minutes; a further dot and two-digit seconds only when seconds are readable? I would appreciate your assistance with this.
2.54.18
